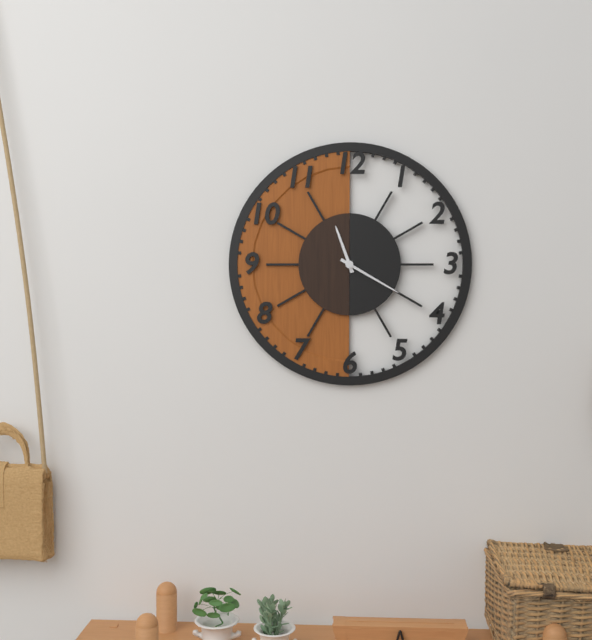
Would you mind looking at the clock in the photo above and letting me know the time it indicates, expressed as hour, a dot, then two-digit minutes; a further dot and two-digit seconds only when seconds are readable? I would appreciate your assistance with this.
11.20
